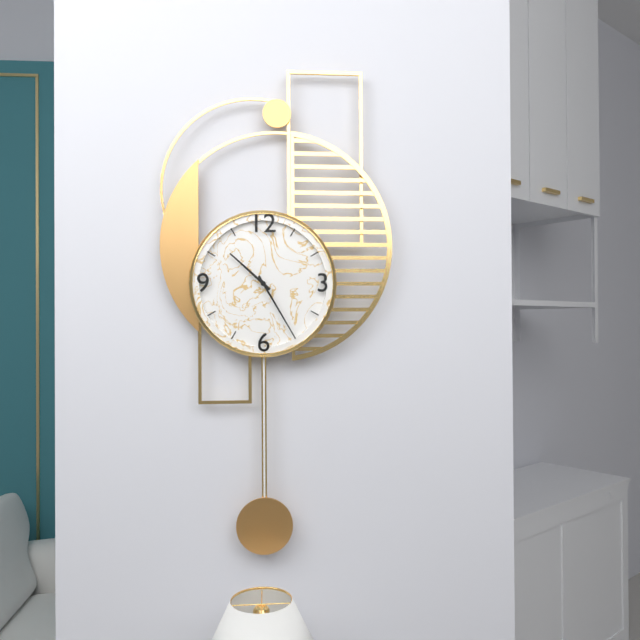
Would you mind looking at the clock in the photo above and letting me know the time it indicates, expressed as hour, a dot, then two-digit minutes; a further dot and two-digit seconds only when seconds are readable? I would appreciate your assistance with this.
10.25
